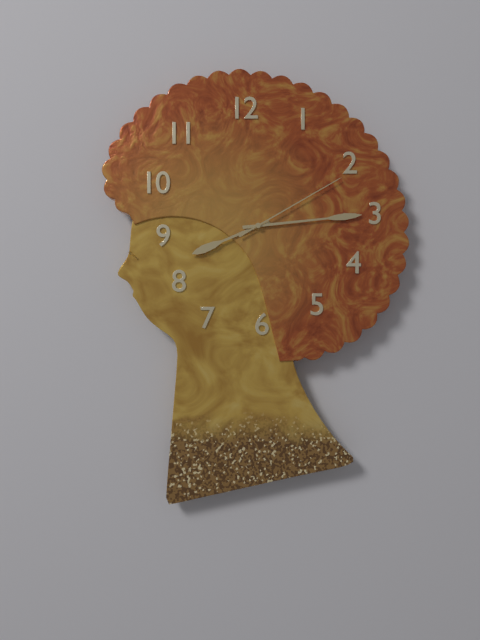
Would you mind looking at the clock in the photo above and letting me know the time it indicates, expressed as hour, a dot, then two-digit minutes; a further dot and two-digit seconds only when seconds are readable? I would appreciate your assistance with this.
8.14.10
